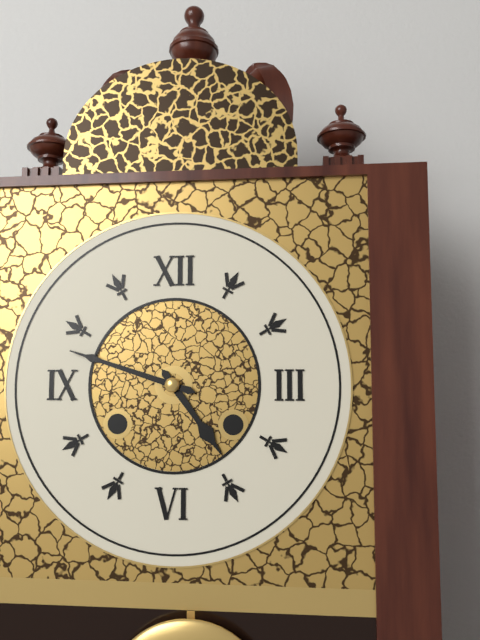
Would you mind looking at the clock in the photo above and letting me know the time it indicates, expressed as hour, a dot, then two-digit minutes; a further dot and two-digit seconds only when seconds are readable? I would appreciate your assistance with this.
4.48
